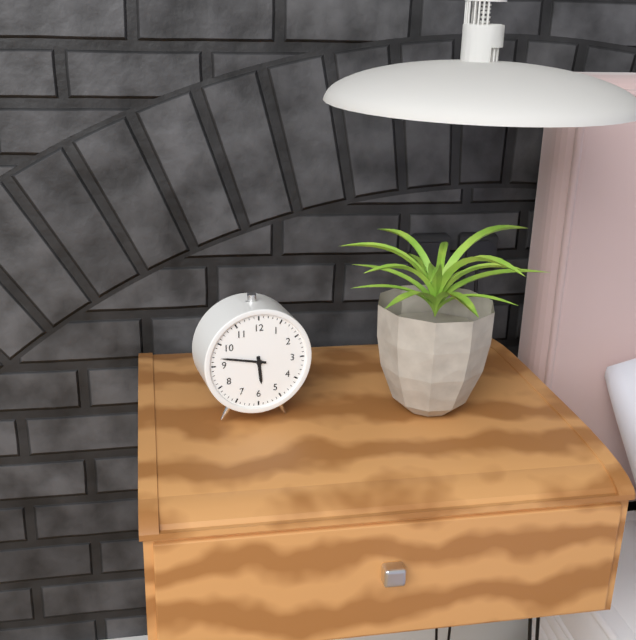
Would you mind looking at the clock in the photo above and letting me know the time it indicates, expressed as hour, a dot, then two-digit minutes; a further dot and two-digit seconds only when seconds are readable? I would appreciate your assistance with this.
5.47
